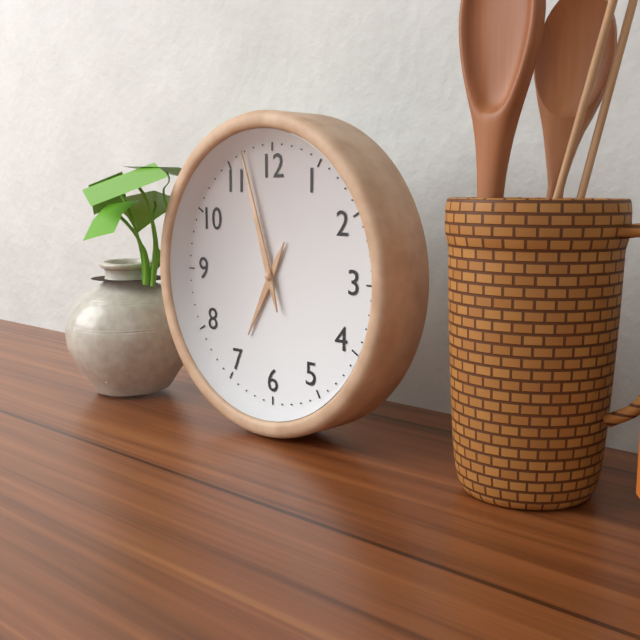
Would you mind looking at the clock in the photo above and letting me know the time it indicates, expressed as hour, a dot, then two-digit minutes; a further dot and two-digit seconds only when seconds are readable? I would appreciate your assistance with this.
6.57
